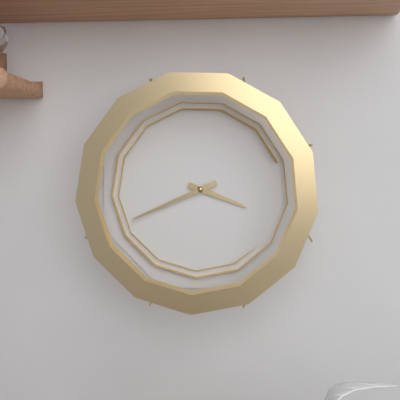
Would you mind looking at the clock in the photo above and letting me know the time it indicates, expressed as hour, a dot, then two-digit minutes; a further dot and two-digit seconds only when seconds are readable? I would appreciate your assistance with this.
3.41
